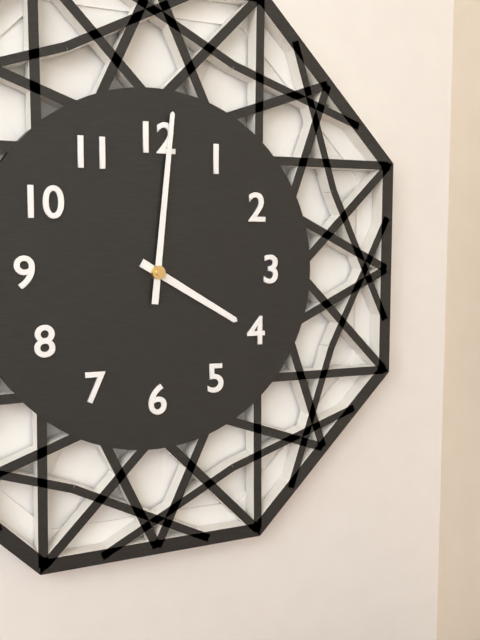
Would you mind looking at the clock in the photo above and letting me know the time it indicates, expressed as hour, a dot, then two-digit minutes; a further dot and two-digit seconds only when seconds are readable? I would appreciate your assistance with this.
4.01
